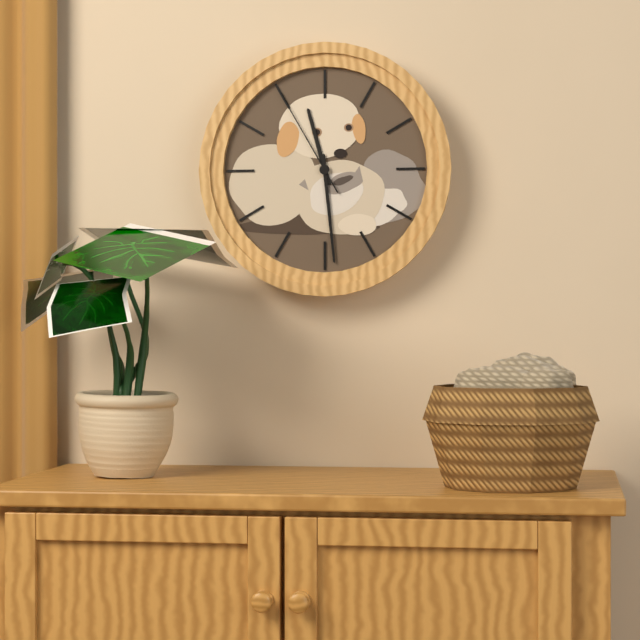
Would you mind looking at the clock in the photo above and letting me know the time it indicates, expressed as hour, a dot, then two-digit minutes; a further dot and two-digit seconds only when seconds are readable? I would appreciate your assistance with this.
11.29.55
